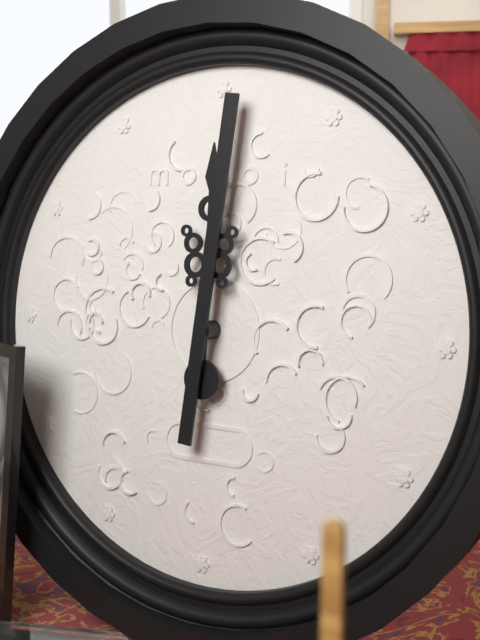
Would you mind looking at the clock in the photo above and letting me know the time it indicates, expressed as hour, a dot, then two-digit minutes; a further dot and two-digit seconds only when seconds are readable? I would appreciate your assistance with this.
12.01
